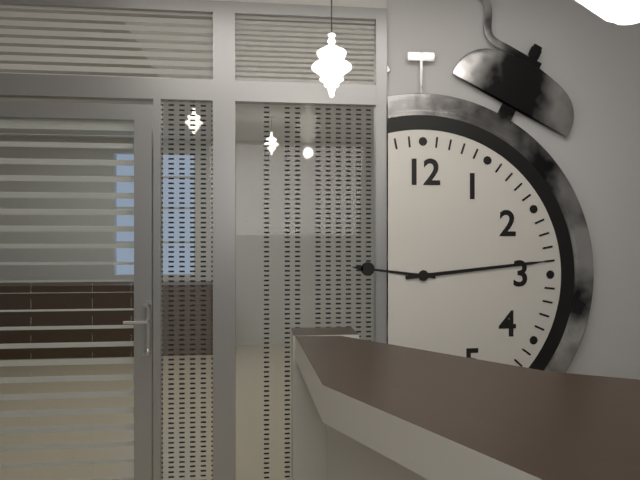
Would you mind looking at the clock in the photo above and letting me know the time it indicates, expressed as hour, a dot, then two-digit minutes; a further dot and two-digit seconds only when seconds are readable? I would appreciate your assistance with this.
9.14
